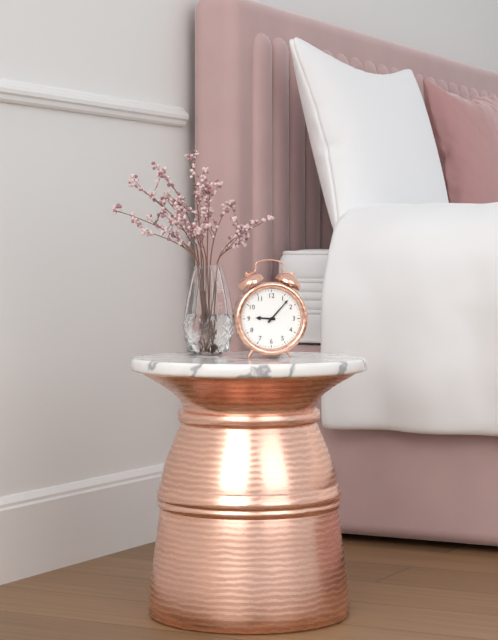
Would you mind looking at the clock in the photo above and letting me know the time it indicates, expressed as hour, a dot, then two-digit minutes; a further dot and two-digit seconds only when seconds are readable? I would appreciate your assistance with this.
9.07
